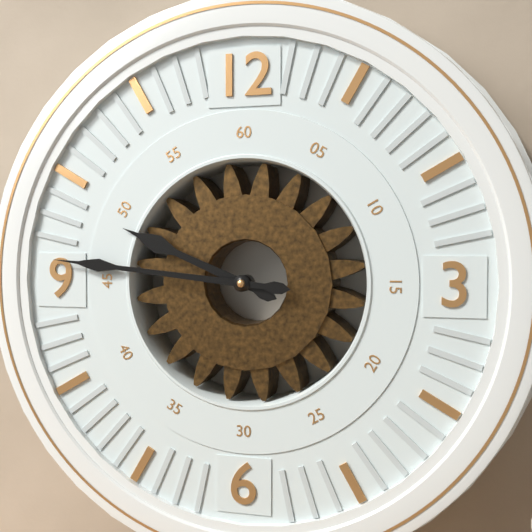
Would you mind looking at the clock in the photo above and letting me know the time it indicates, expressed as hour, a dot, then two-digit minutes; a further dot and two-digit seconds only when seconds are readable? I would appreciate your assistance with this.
9.46
